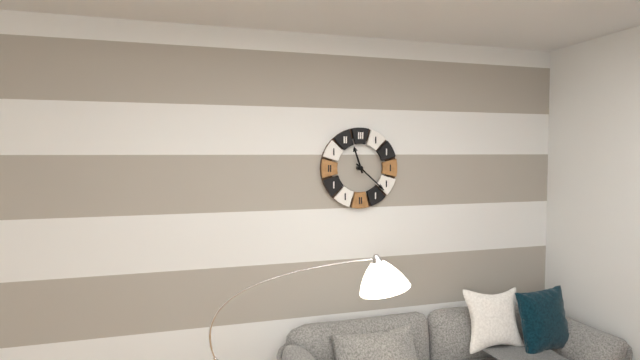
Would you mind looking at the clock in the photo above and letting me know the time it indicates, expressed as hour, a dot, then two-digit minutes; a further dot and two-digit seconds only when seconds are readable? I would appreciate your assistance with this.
11.22
